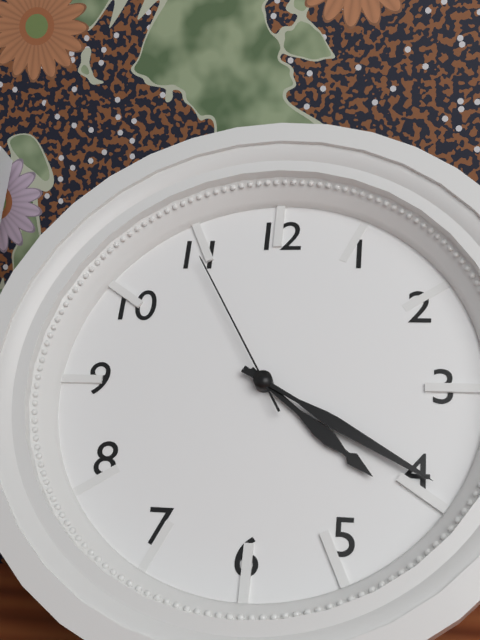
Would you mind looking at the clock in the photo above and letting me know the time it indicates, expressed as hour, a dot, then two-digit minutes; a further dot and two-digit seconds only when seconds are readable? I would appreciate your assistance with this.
4.20.55
